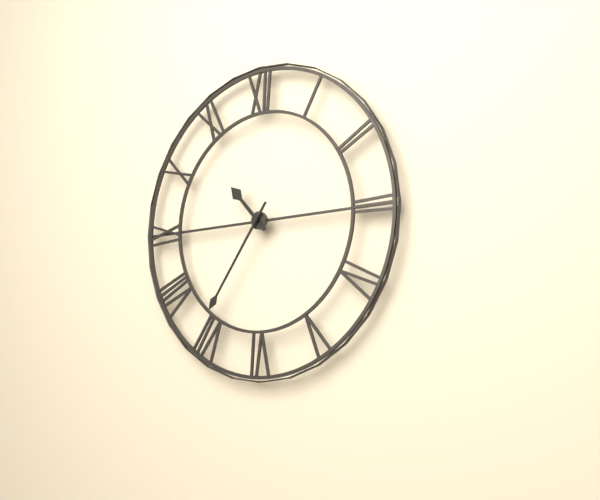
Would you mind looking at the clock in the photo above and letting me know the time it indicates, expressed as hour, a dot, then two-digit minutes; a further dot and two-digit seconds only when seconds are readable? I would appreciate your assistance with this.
10.36
